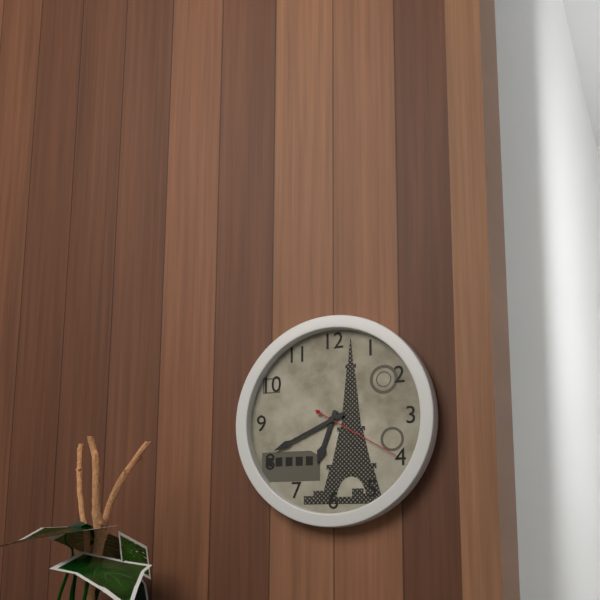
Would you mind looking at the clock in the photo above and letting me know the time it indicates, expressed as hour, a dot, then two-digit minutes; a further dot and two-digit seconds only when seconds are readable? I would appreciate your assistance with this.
6.41.20
